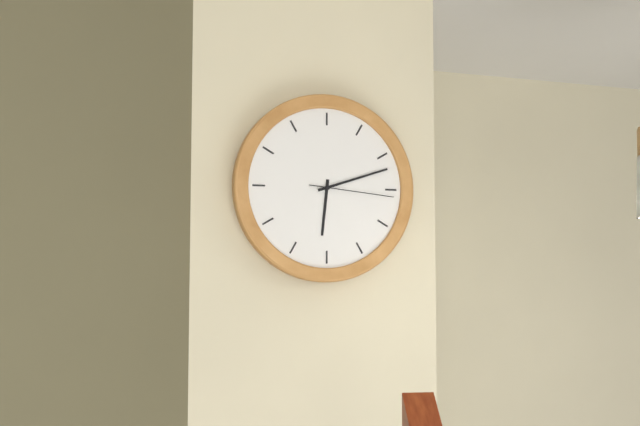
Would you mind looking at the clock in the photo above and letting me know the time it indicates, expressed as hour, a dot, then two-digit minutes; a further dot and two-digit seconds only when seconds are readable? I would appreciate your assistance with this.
6.12.16
